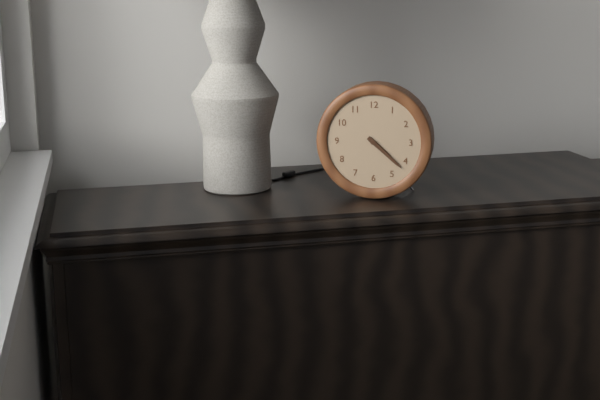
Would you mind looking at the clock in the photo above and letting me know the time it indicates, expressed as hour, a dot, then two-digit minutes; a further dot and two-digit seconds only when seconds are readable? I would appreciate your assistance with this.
4.22
